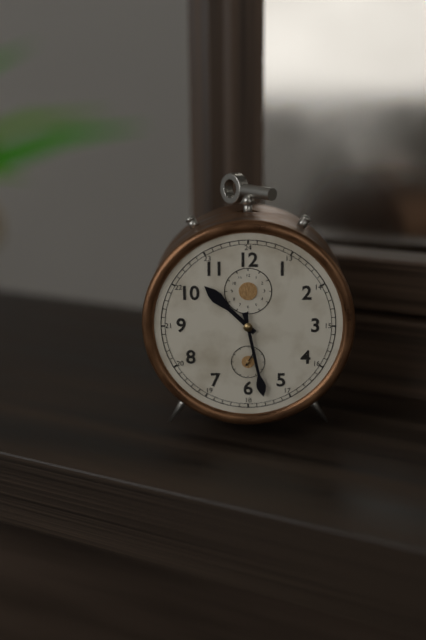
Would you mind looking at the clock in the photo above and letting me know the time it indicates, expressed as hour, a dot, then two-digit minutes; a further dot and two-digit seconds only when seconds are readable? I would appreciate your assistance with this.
10.28
